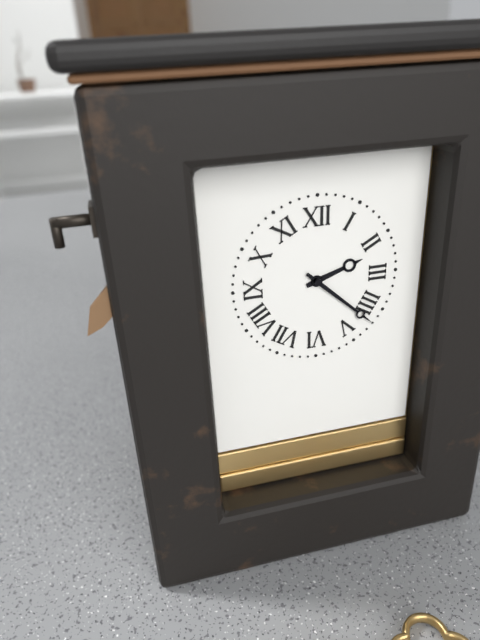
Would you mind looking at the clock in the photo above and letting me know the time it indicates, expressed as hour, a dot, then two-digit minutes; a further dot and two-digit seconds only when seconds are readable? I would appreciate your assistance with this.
2.22
